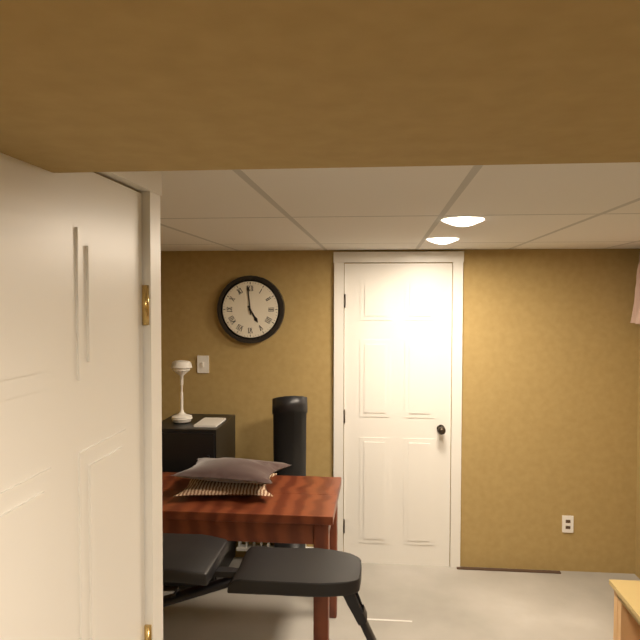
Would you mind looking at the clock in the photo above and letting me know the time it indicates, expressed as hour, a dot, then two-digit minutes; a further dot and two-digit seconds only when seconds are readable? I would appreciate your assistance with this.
4.59
